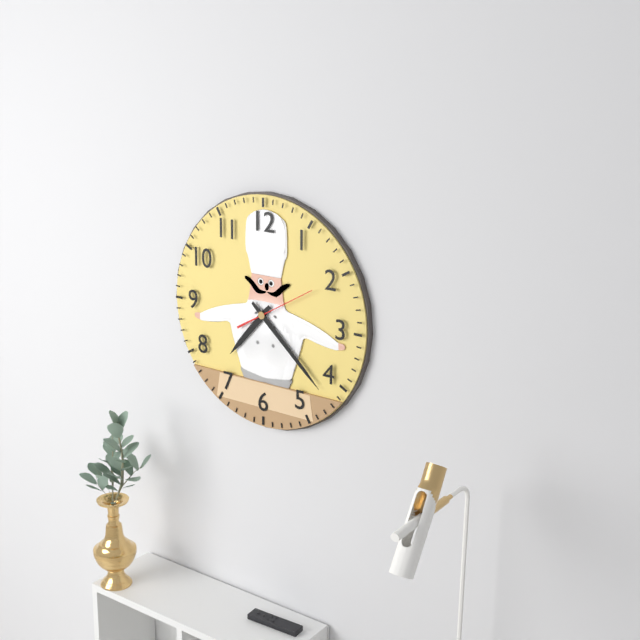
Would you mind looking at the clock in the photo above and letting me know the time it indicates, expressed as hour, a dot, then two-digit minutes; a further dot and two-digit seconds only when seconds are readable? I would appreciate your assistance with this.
7.22.10
